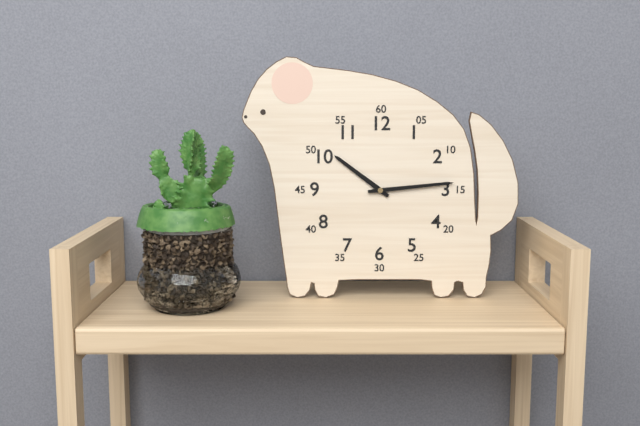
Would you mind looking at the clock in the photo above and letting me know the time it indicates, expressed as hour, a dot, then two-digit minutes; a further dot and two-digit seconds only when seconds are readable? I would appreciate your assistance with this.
10.14
